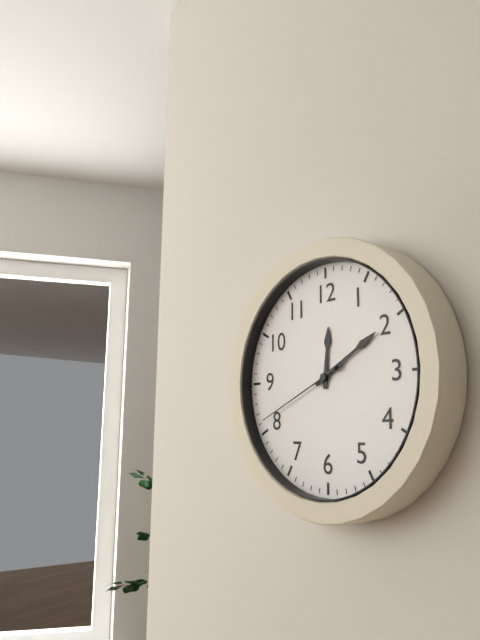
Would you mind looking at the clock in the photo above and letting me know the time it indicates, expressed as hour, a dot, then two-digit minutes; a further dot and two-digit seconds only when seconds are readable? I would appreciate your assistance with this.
12.10.41
